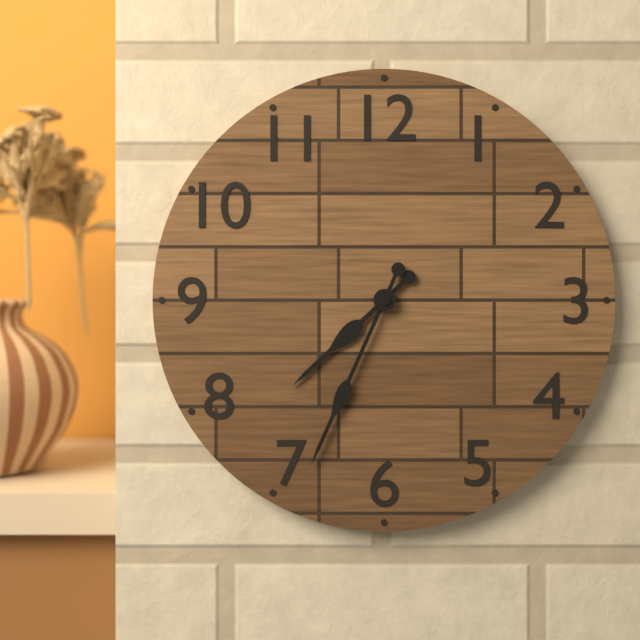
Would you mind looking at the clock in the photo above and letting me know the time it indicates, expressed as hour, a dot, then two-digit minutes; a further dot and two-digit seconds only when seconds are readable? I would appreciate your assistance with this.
7.34
